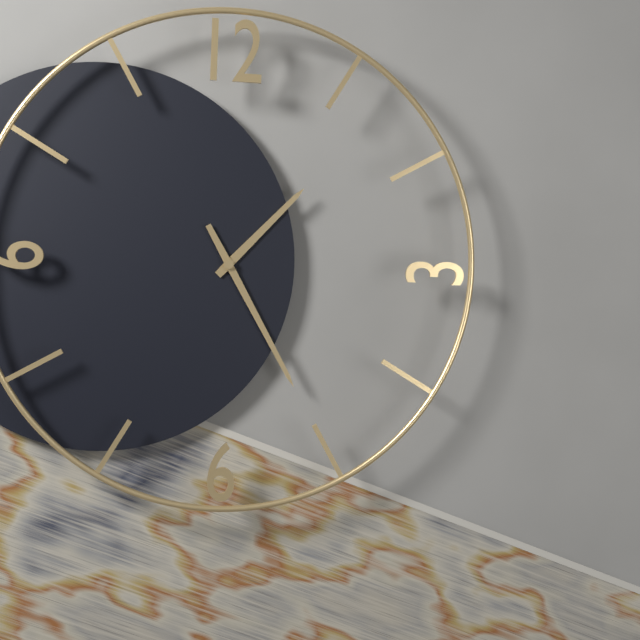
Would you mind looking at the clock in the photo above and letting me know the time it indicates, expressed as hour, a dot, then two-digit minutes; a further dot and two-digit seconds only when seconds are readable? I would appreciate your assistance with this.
1.25
